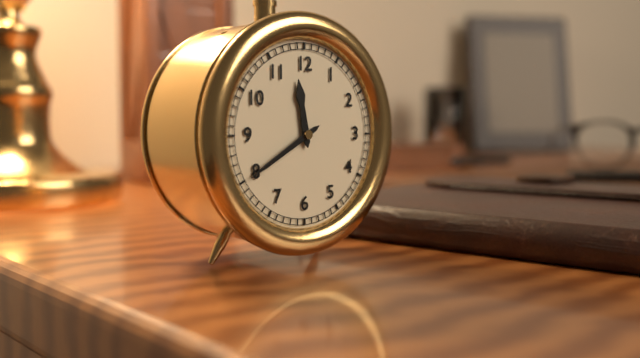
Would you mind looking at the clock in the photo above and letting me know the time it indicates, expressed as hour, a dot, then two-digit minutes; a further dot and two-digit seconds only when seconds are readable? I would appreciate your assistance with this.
11.40
